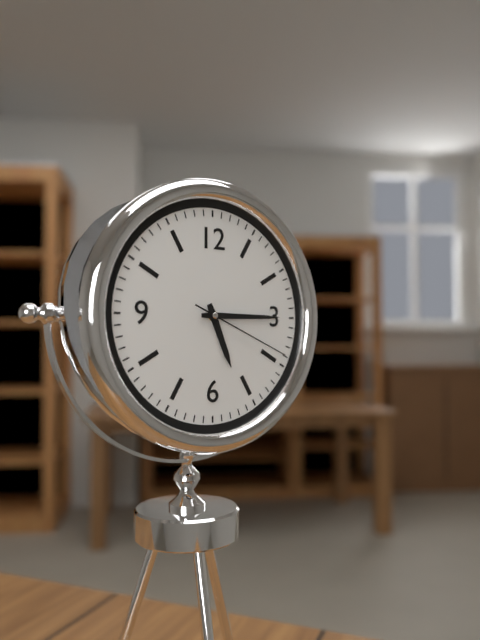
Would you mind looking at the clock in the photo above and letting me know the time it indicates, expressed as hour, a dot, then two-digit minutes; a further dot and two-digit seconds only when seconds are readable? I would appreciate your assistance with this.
5.15.19
